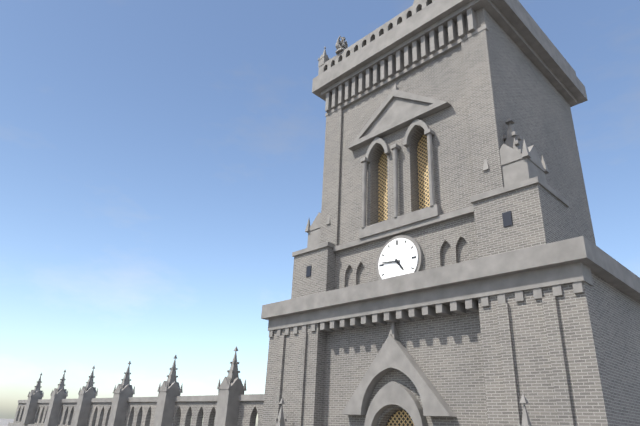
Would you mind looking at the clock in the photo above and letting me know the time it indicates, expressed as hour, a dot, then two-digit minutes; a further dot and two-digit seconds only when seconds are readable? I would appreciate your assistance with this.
4.46
